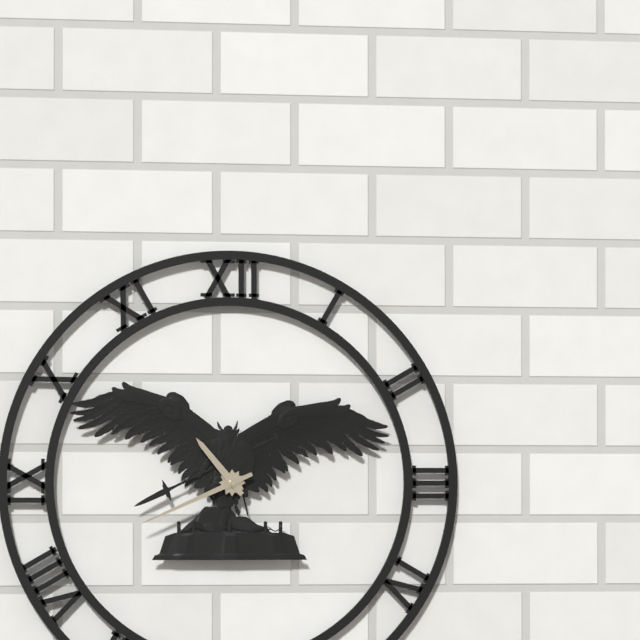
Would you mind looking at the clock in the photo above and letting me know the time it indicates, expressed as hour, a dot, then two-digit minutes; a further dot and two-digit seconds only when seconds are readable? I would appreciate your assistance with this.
10.41
